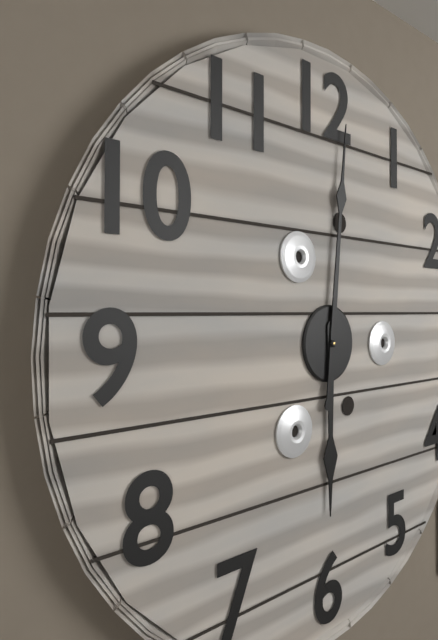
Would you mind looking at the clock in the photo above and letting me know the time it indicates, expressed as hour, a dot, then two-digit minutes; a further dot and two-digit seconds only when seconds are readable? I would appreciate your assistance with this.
6.01
